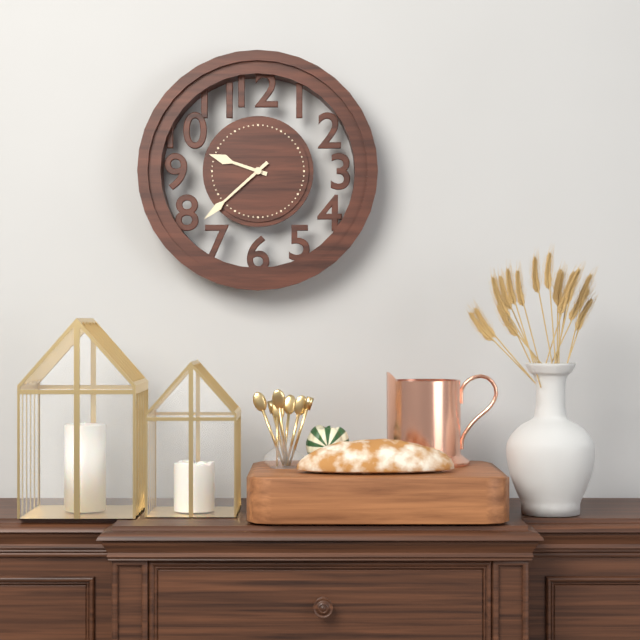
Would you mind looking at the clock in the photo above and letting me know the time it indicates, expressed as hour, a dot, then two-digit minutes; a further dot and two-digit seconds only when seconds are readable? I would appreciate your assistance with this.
9.38
